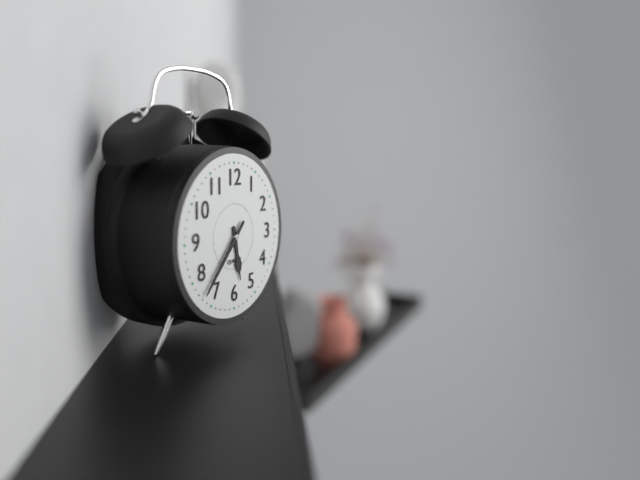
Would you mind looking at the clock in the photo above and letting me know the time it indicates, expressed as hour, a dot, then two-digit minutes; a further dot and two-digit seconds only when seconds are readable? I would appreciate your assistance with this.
5.37
